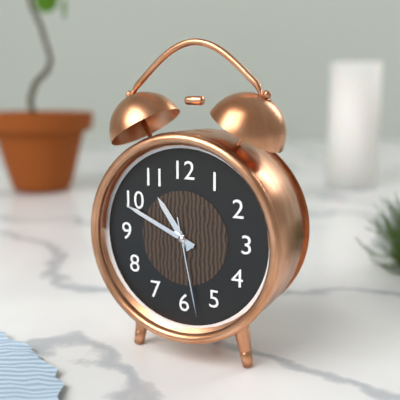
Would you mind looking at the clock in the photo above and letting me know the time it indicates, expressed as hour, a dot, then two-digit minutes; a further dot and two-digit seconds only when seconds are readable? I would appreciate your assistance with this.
10.49.28
